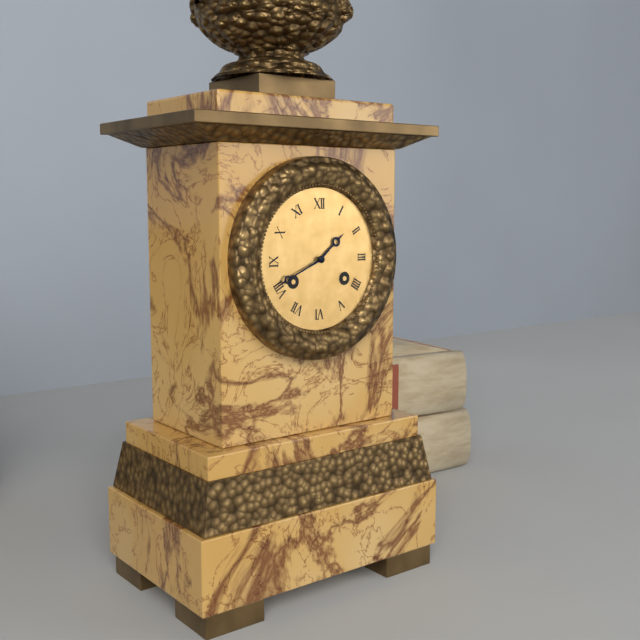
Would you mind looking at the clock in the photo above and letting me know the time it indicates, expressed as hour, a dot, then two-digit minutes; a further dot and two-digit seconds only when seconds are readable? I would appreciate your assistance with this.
1.41
